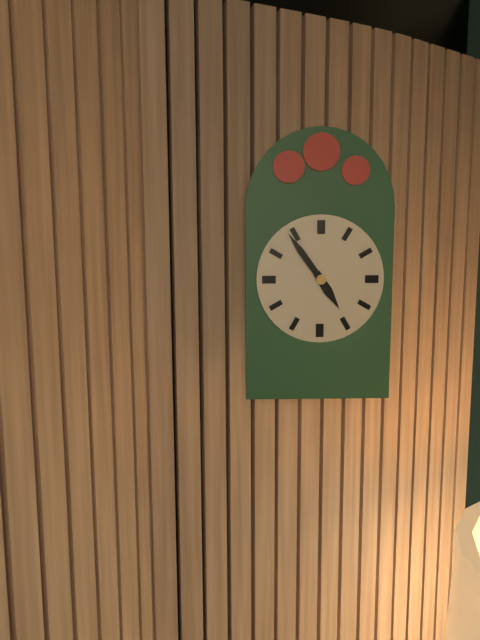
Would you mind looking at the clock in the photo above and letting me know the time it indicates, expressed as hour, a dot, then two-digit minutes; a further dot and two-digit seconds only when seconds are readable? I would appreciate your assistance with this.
4.54
